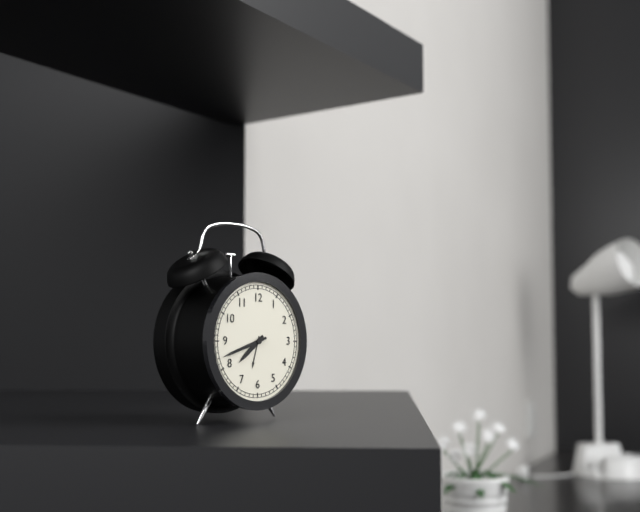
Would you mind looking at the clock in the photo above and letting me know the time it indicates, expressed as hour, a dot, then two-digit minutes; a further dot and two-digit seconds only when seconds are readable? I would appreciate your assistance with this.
7.42
